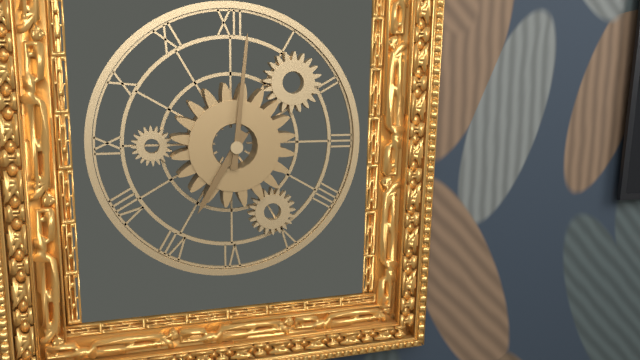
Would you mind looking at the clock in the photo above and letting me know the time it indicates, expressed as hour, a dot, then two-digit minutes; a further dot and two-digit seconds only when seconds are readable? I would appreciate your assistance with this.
7.01
